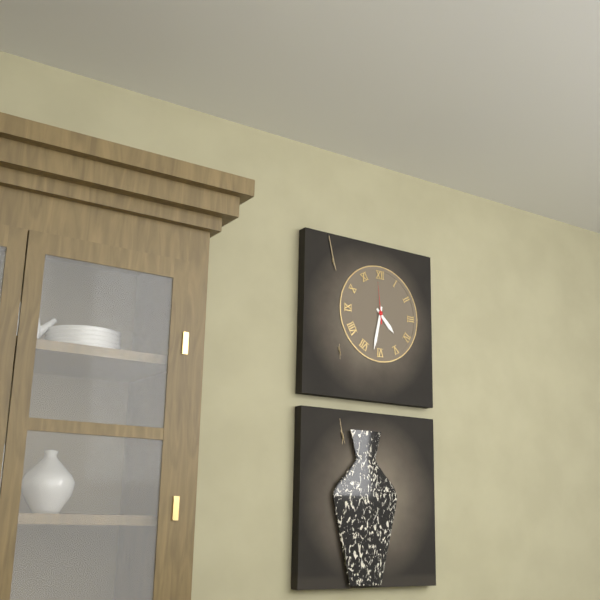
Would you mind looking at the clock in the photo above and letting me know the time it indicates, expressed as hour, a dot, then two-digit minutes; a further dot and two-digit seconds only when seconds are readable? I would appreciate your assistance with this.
4.32
